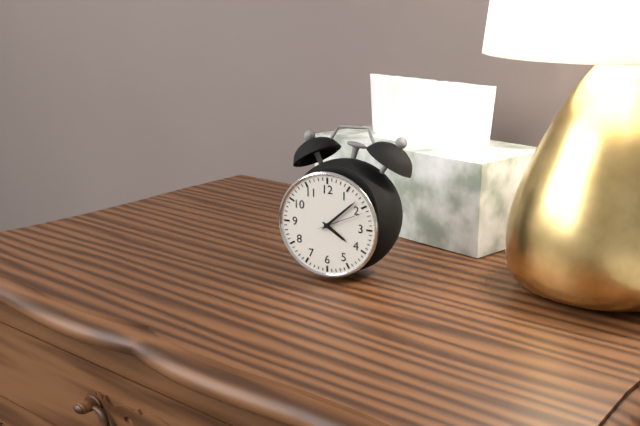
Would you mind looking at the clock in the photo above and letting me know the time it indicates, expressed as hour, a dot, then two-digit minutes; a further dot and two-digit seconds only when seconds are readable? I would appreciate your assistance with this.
4.08.11
